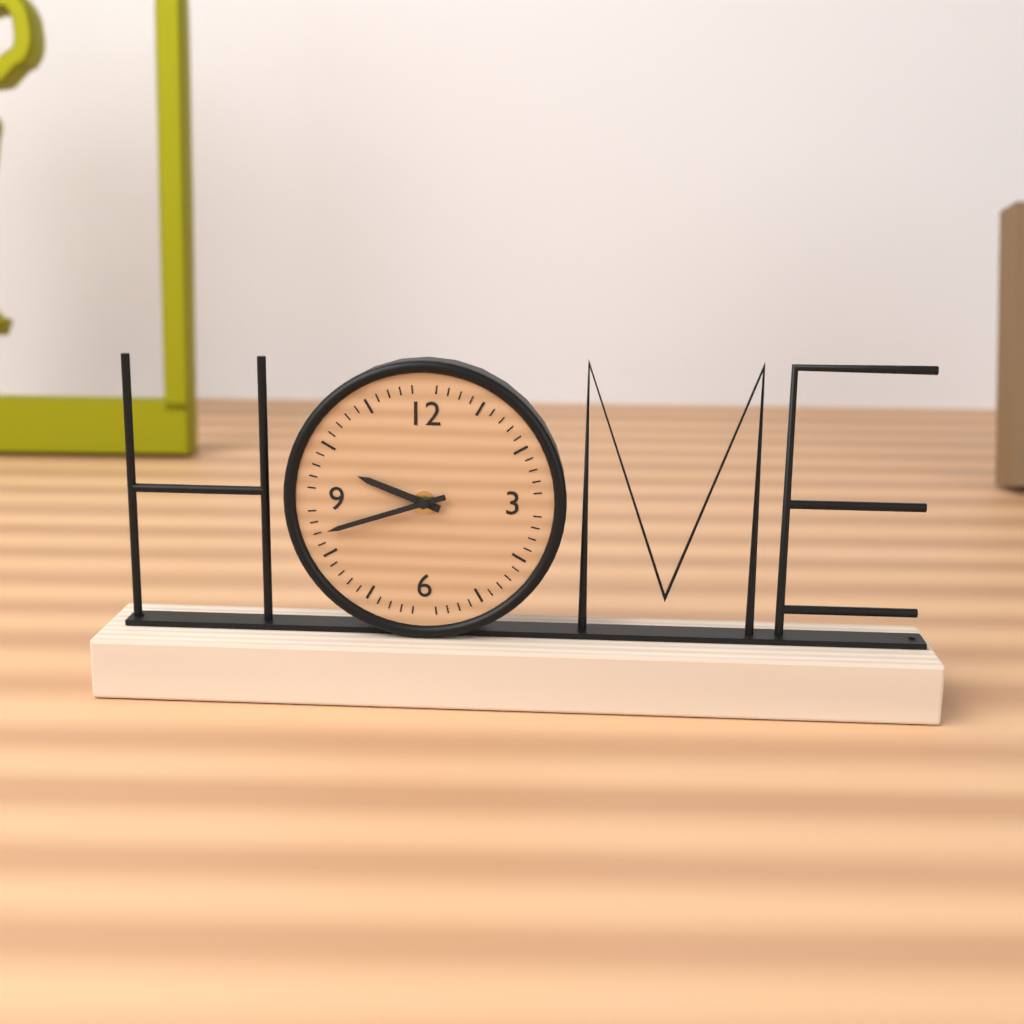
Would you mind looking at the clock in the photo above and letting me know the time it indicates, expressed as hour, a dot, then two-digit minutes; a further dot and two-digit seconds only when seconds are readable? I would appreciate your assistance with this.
9.42
